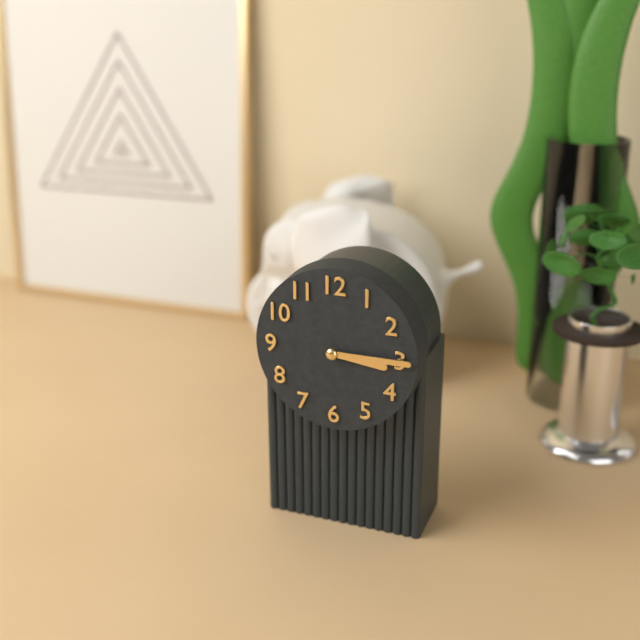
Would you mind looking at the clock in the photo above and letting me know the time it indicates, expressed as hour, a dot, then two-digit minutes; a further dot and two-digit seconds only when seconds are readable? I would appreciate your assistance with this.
3.15
